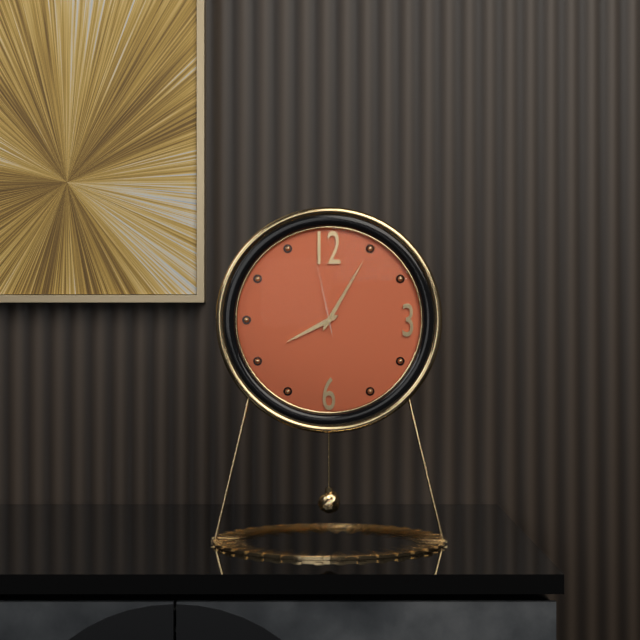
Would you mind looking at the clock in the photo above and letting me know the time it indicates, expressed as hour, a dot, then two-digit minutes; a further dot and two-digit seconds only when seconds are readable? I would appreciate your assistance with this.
8.05.58
